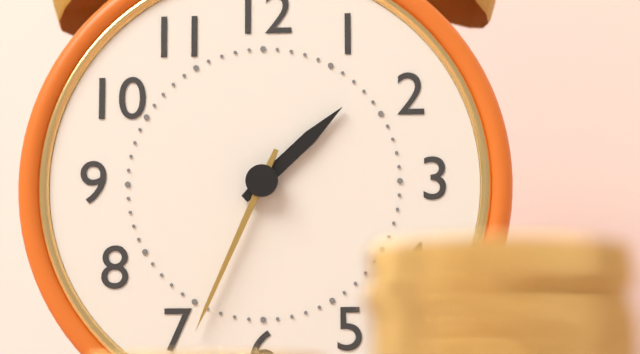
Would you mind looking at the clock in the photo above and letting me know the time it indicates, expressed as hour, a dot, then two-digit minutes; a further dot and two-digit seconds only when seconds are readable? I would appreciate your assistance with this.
1.34
